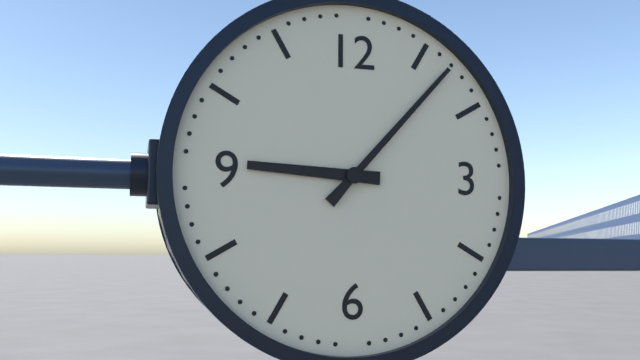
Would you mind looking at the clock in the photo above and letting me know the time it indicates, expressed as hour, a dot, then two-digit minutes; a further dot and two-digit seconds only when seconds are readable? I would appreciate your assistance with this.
9.07
